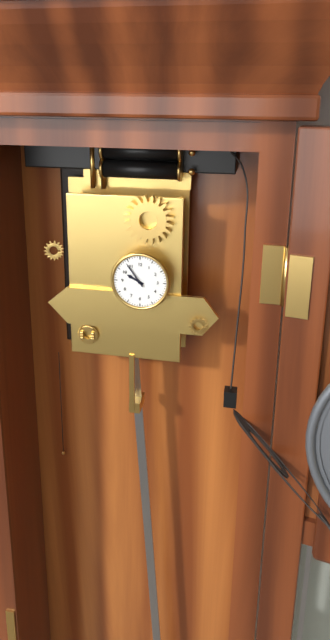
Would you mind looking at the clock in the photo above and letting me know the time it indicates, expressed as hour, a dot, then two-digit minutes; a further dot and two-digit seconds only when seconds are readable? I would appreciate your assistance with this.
9.54
